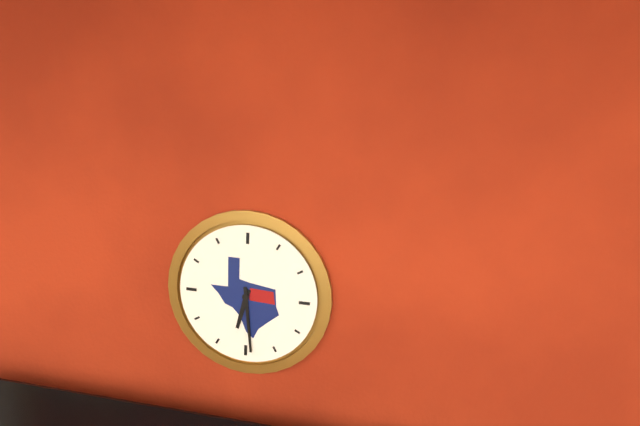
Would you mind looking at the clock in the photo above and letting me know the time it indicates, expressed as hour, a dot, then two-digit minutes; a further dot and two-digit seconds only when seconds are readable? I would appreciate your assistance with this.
6.29
